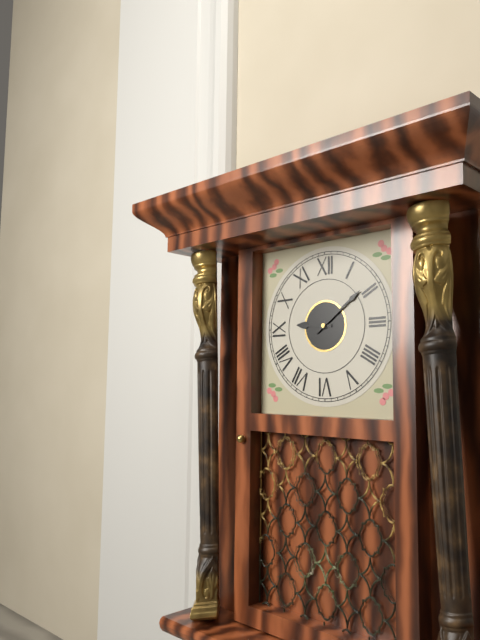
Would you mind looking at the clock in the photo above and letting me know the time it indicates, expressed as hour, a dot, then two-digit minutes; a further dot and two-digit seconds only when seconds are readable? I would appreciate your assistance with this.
9.09
